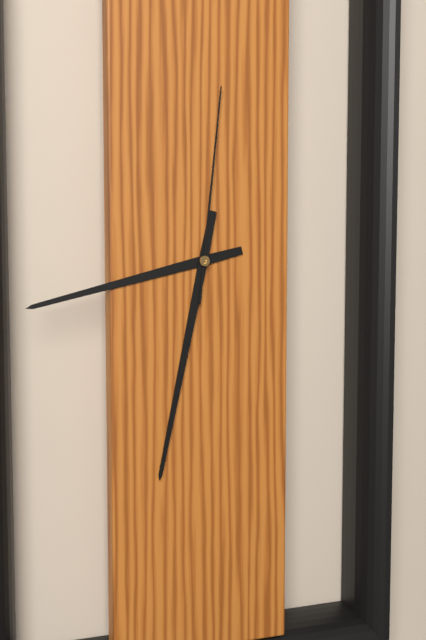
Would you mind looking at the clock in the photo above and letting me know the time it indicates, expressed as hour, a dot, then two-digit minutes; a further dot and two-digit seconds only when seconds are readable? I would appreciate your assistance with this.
8.32.01
